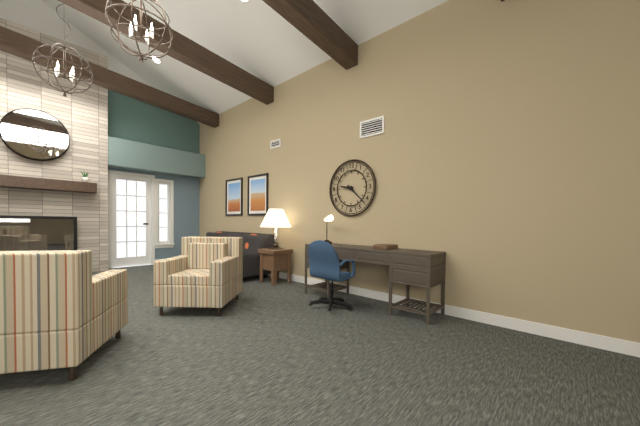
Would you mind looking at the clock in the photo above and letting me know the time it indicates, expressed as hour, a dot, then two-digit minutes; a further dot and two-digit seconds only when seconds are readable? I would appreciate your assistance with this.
9.22
